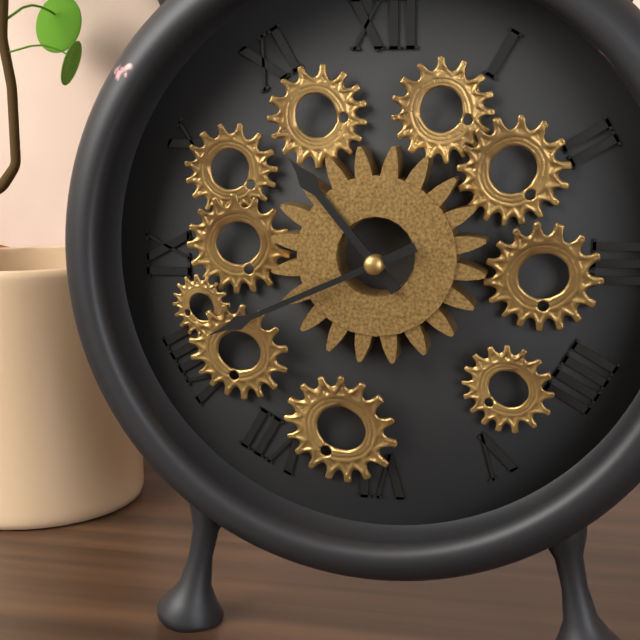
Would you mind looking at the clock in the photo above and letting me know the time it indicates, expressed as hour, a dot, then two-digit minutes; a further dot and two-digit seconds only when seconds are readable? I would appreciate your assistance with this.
10.41
